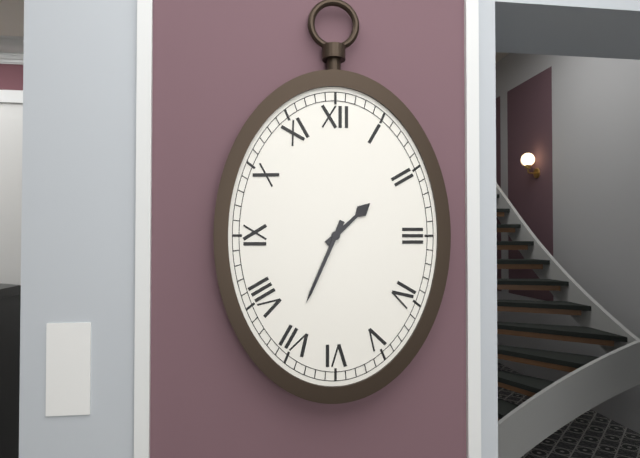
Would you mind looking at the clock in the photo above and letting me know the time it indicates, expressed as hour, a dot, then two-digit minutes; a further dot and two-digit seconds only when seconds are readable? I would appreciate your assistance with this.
1.34
